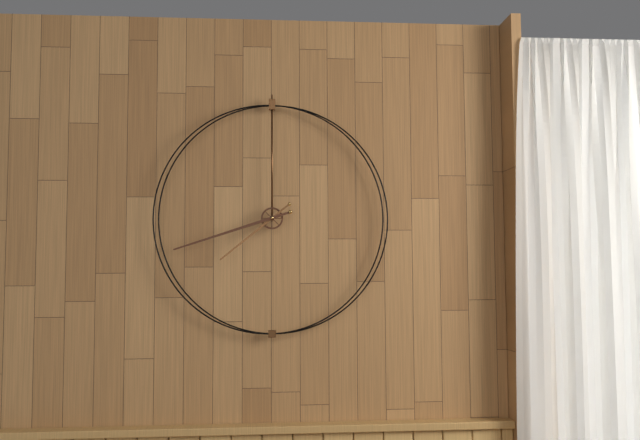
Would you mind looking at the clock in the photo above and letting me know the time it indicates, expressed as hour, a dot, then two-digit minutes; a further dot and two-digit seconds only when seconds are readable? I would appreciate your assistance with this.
7.42
